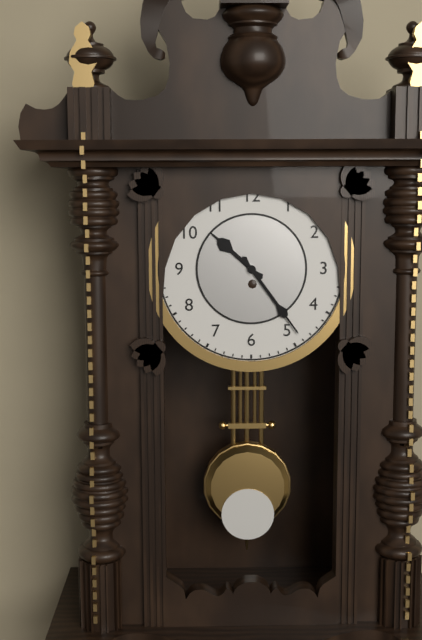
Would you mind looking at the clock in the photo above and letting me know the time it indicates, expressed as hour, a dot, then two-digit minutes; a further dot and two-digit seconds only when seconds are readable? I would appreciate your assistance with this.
10.24
